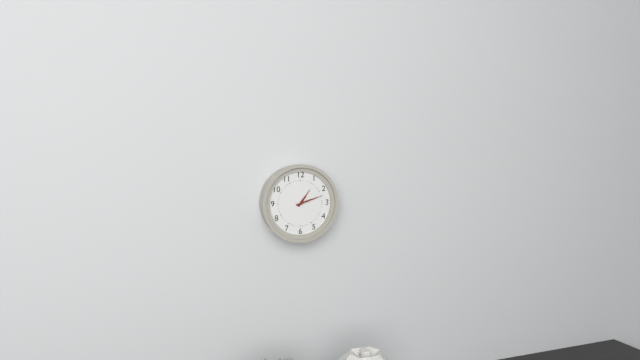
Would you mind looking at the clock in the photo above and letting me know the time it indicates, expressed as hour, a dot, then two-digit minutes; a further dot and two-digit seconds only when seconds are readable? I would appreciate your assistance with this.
1.12
